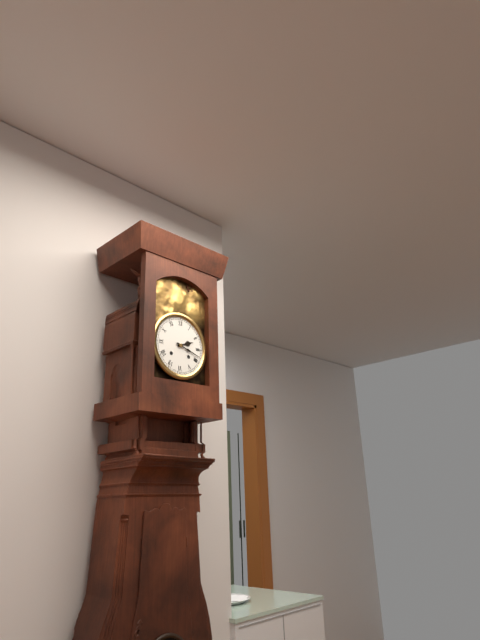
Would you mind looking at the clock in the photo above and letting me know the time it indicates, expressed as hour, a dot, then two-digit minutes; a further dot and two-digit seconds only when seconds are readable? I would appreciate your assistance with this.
2.18
